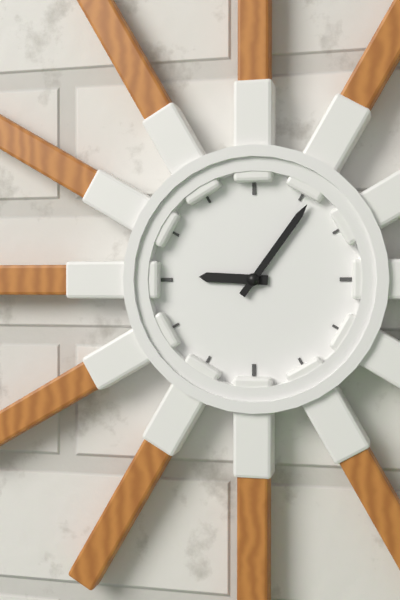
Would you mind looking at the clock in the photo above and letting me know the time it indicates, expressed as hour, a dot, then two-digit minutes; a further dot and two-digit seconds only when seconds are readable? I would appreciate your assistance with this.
9.06
